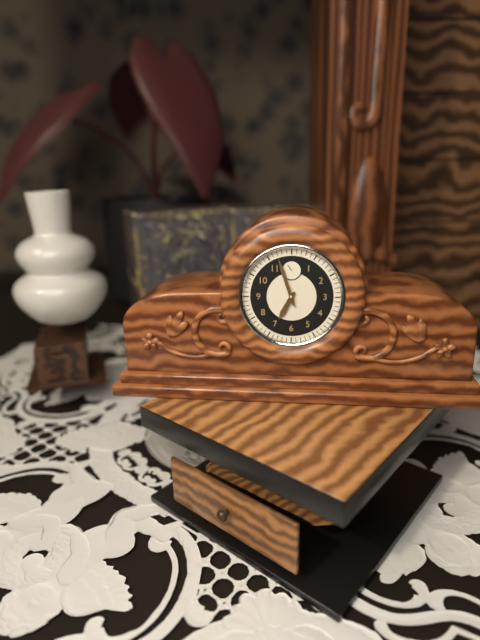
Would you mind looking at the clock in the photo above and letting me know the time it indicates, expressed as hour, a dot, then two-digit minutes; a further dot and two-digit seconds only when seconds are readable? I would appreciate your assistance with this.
6.57
